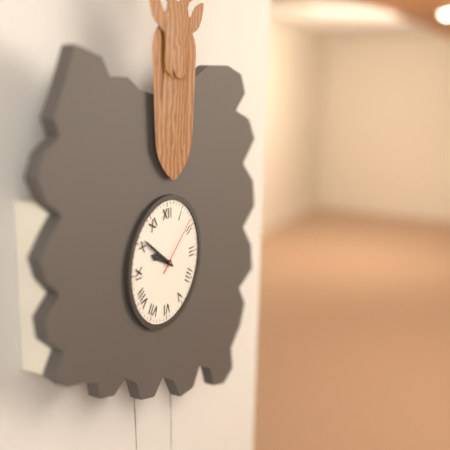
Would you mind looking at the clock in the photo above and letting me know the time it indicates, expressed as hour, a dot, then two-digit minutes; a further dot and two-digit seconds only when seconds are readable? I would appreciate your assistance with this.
9.51.08
